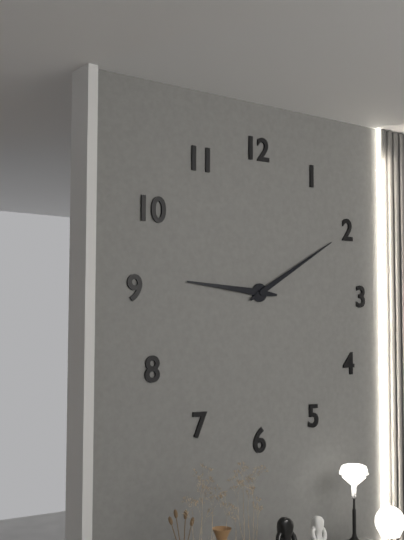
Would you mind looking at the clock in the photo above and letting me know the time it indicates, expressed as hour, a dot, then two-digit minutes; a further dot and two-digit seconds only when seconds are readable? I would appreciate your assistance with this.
9.10
